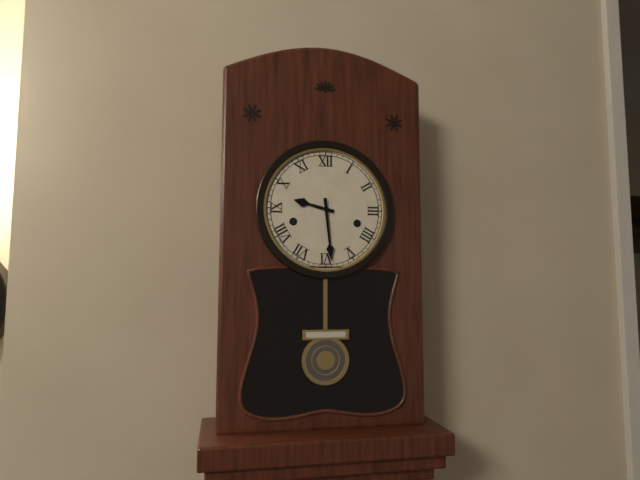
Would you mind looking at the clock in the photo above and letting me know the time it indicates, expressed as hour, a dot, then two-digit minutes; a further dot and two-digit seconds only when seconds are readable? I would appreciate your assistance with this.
9.29
